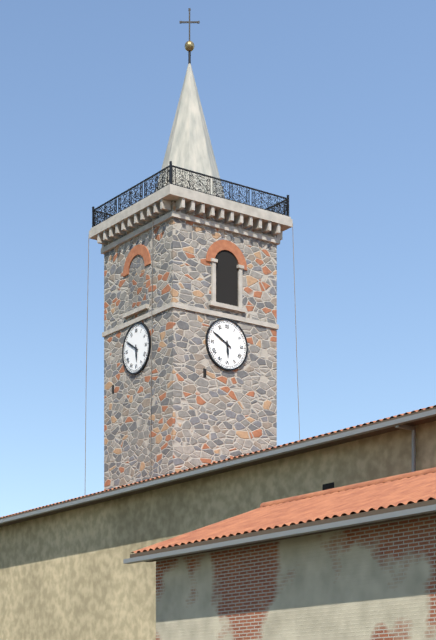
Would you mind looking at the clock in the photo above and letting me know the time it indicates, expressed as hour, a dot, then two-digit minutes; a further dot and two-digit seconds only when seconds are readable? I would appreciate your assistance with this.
5.50
